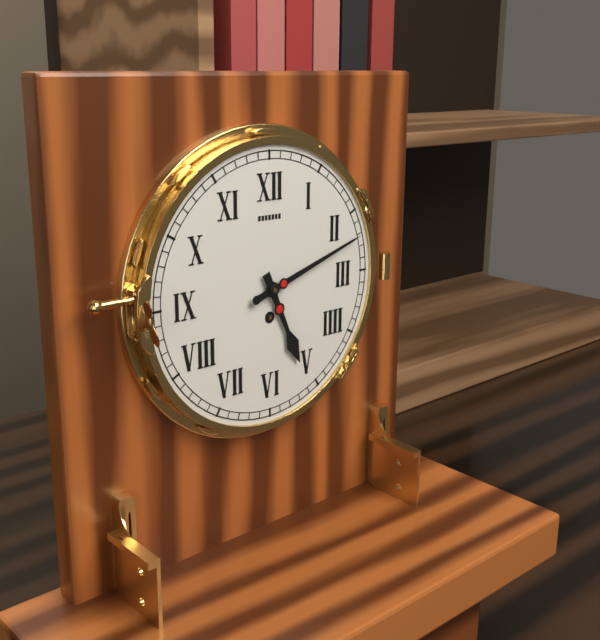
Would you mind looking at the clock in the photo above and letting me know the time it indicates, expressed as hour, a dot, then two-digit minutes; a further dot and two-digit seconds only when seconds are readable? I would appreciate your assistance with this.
5.12
